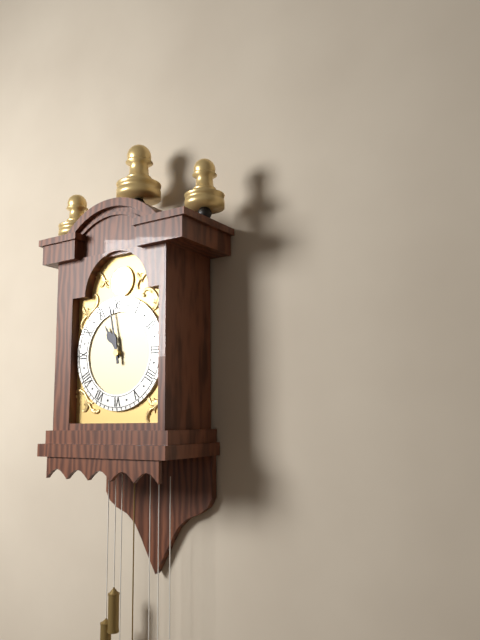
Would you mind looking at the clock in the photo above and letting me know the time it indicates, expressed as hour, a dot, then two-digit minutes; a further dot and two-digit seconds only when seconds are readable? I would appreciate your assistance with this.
10.58
